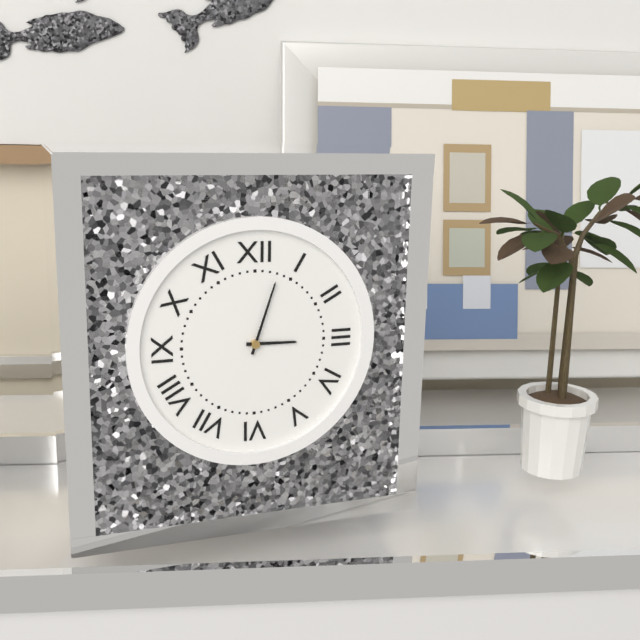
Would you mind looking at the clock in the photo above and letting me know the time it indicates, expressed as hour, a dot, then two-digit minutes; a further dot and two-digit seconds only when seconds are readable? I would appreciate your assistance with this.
3.03
